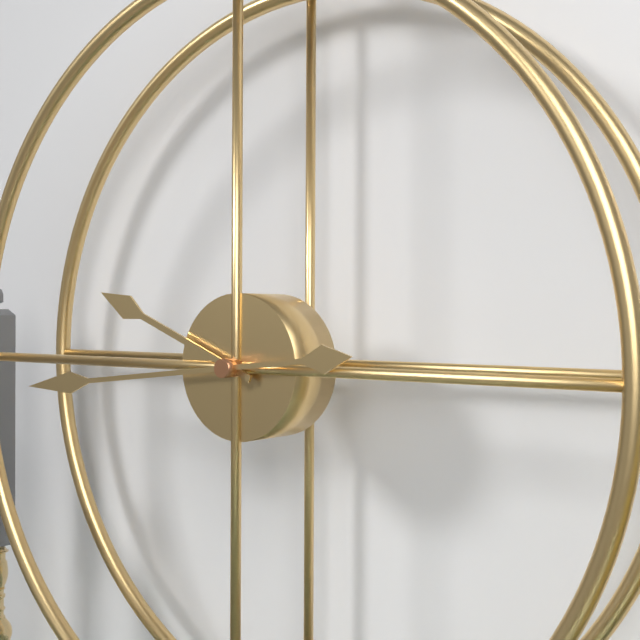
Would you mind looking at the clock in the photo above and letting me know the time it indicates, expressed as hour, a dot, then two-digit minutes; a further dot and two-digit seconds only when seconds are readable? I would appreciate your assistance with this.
9.44
